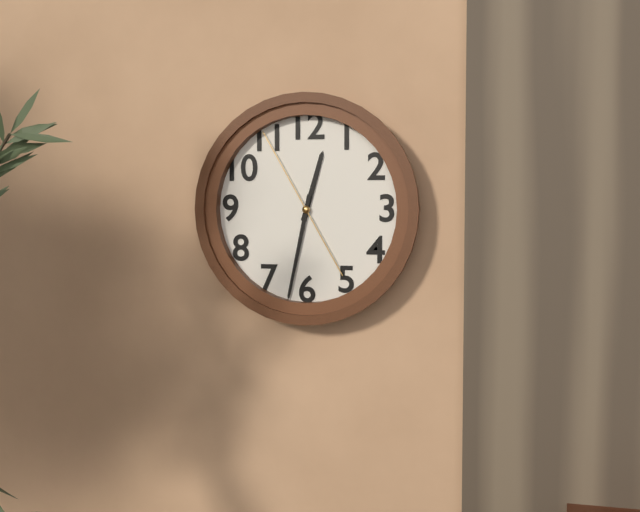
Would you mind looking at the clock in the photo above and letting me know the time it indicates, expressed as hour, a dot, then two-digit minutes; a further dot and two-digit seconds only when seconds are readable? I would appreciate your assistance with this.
12.32.55
